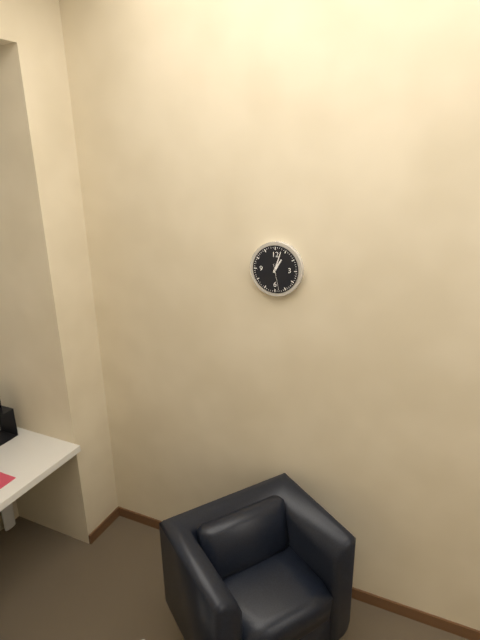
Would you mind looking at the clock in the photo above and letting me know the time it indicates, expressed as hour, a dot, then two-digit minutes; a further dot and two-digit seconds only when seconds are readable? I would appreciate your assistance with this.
1.03
